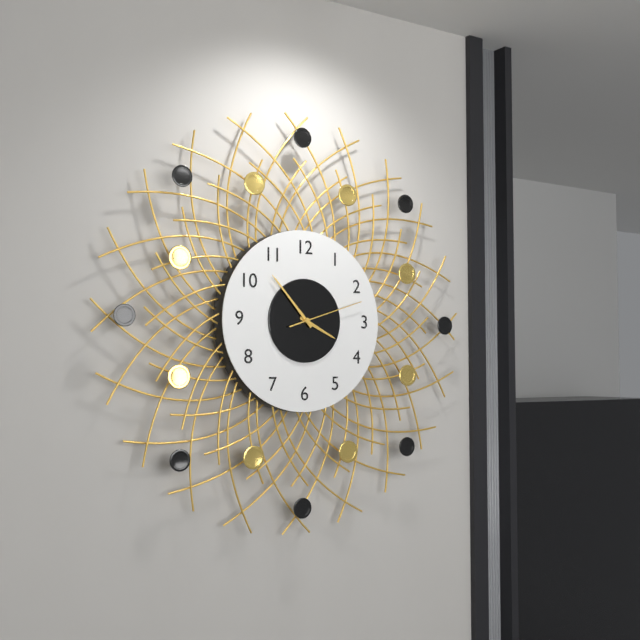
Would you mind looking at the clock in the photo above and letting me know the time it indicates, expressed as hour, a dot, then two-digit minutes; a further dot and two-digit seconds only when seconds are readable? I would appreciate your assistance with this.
3.53.12
